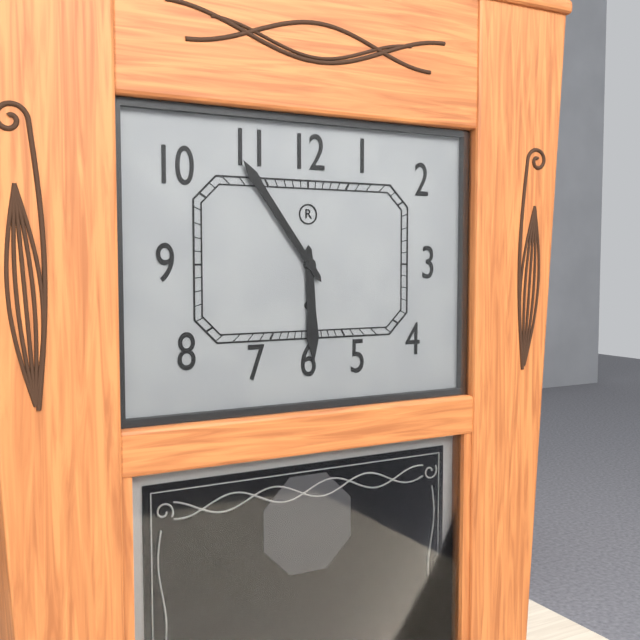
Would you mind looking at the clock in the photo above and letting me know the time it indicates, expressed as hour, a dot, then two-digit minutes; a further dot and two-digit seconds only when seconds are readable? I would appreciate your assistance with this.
5.54
